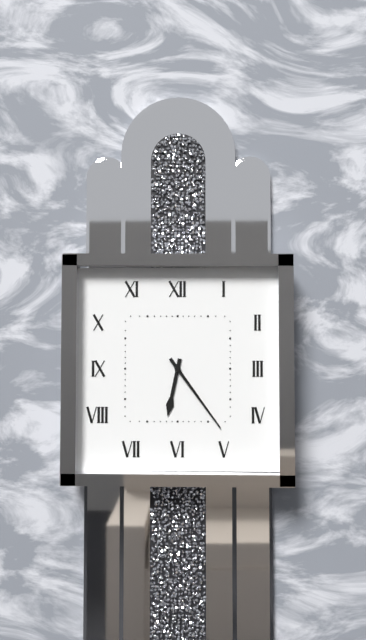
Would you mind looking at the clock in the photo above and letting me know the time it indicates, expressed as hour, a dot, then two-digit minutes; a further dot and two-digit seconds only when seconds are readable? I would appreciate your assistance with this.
6.24
